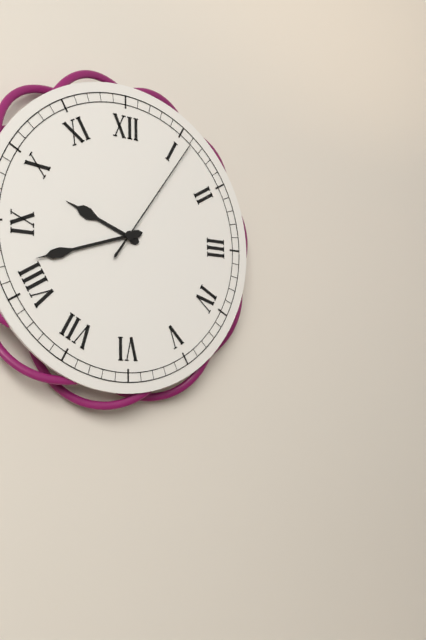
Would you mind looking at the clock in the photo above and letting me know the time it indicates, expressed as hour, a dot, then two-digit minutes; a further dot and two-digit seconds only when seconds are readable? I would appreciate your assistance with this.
9.42.06
